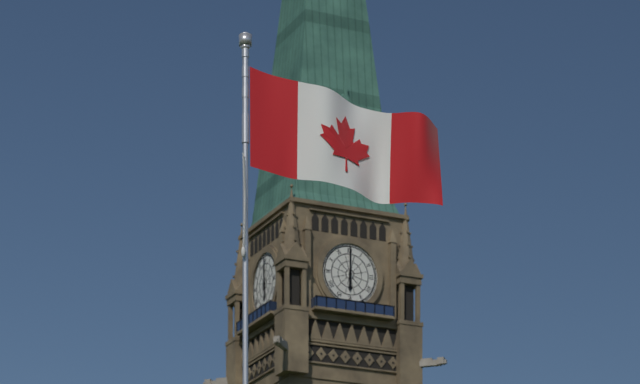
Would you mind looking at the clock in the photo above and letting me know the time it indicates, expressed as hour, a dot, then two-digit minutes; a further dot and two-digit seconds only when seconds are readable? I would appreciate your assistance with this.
6.00
